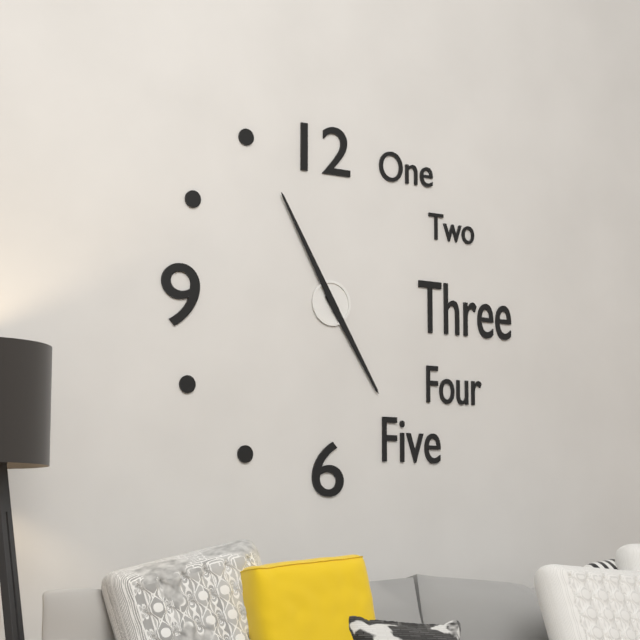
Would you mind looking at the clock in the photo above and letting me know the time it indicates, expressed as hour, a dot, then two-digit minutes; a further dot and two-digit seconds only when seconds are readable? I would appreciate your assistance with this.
4.55
